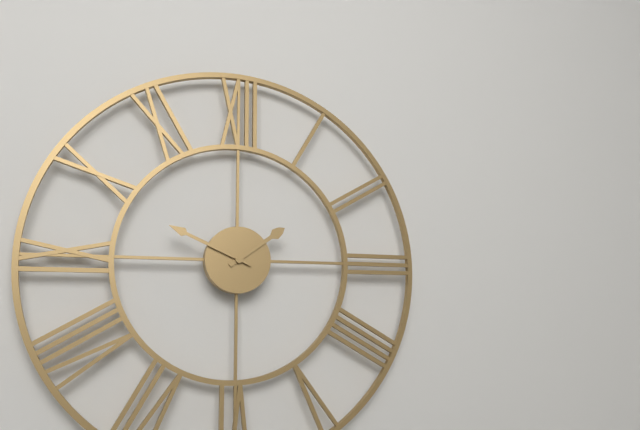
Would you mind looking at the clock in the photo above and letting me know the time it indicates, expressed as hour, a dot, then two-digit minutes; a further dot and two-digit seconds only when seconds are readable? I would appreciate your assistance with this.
1.49
